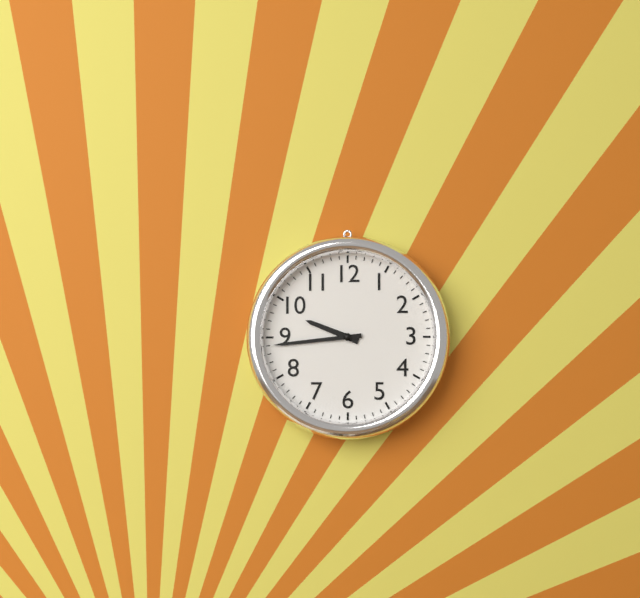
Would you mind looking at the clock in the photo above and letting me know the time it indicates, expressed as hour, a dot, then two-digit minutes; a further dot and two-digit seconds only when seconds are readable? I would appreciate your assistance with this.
9.44
